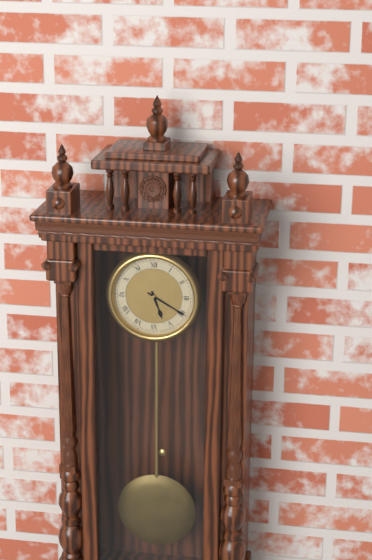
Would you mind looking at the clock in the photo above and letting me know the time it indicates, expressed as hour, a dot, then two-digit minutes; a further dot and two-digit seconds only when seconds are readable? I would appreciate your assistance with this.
5.20
